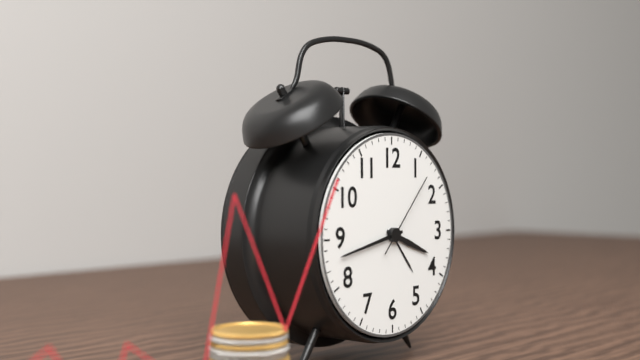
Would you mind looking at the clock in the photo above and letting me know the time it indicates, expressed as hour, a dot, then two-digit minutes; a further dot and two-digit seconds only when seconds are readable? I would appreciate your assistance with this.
3.43.07
